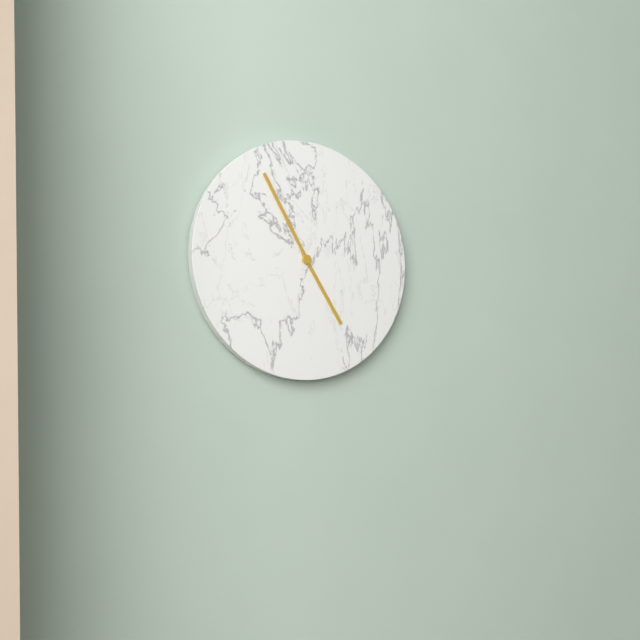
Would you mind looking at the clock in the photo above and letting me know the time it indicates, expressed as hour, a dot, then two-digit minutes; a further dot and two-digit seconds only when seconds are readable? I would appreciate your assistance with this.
4.55
